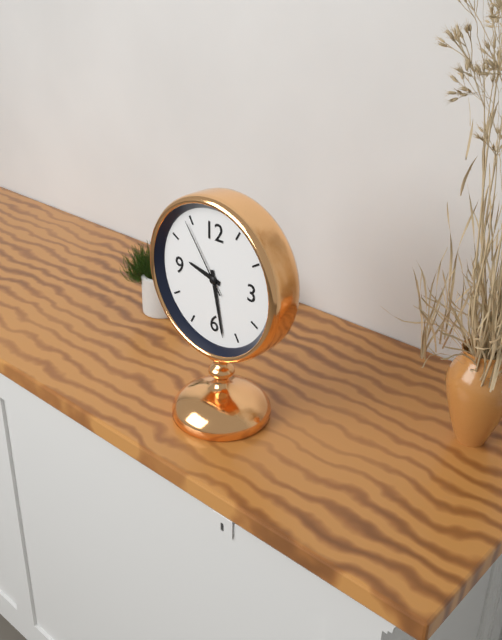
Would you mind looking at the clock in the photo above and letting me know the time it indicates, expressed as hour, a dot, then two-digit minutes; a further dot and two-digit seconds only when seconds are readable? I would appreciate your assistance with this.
9.28.54
